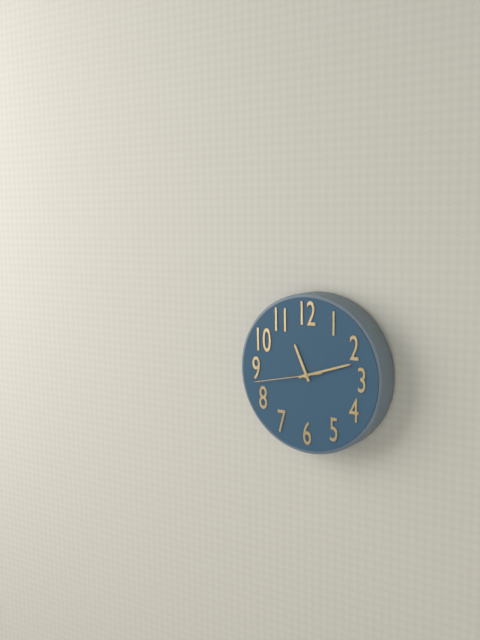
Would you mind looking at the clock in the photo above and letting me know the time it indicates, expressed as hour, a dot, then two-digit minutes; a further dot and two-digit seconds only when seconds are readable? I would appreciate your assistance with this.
11.12.43
